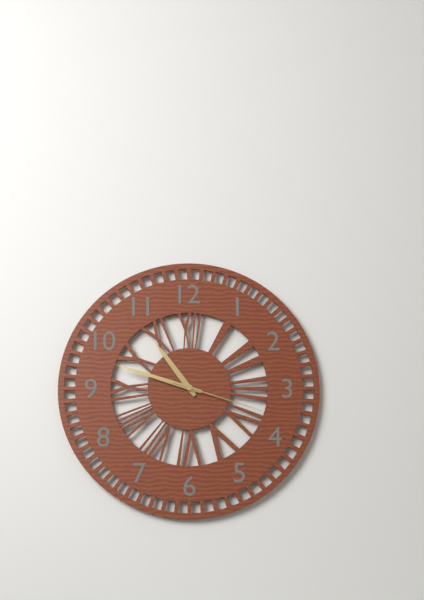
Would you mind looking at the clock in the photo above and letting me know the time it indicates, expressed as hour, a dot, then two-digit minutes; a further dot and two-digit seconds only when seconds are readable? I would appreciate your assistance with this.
10.48.18
